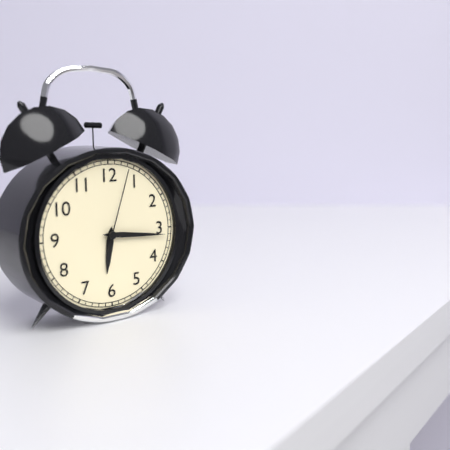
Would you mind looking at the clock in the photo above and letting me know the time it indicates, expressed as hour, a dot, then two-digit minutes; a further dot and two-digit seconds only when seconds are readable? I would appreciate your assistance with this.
6.16.03
